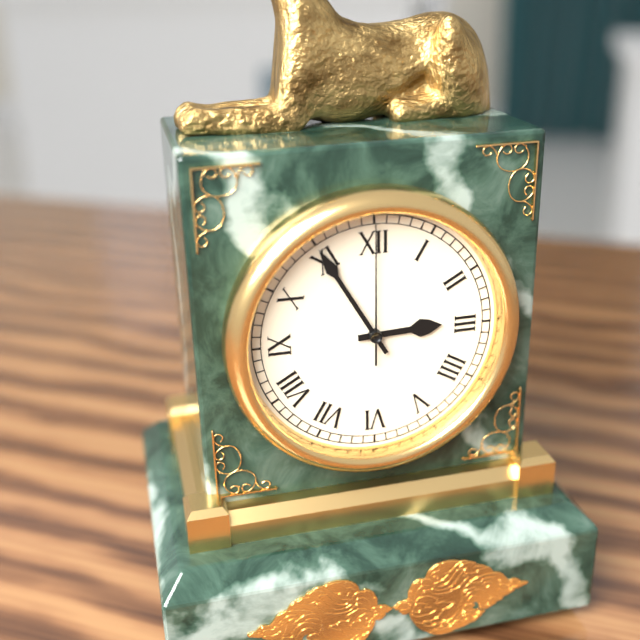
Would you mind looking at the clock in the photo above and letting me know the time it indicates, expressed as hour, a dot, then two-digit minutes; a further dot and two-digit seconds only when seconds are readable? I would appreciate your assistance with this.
2.55.00
